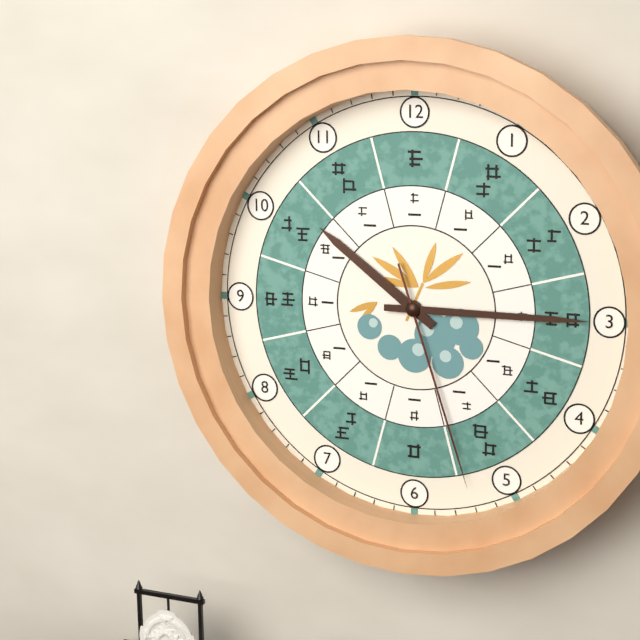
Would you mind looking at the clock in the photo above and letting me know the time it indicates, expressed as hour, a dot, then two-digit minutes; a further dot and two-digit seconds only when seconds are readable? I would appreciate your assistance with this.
10.15.27
